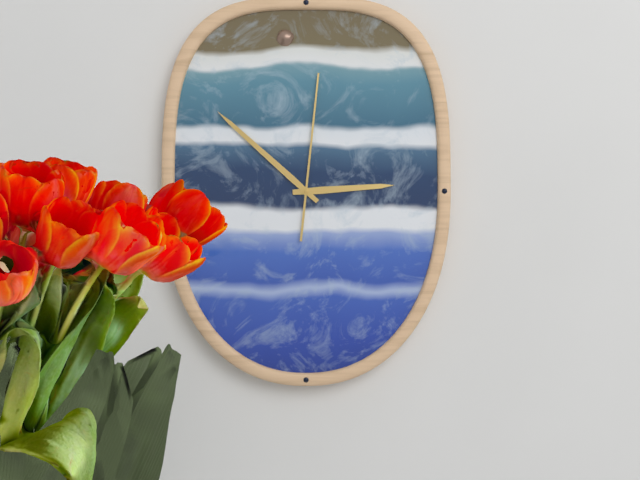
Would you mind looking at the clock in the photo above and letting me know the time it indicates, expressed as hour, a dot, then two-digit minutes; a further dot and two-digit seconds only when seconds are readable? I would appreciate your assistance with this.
2.52.01
